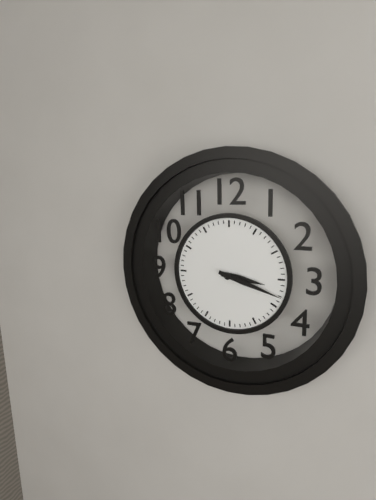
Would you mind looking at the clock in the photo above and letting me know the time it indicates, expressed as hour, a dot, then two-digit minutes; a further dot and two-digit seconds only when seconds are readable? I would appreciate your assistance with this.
3.18
